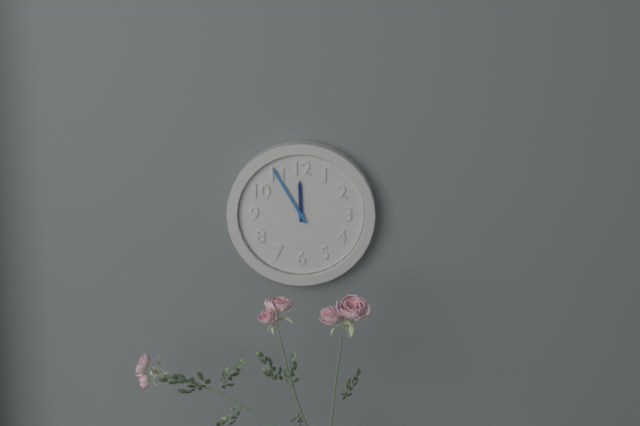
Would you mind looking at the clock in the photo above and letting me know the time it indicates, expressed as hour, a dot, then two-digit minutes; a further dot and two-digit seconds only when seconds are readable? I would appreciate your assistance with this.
11.55
